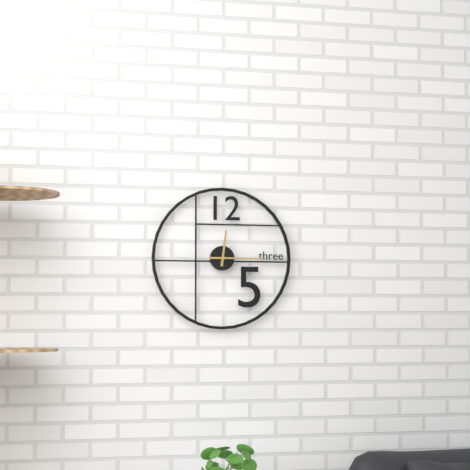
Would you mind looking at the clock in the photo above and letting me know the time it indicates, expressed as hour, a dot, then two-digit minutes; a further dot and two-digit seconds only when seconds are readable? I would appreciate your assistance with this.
12.15
